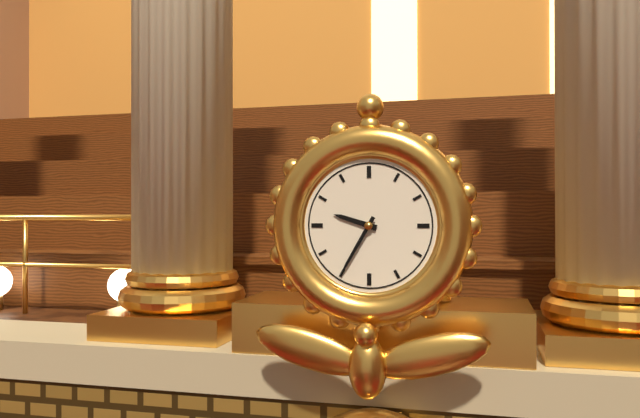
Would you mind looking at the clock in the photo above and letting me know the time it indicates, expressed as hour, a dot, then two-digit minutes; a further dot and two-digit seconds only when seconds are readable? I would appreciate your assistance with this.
9.35
